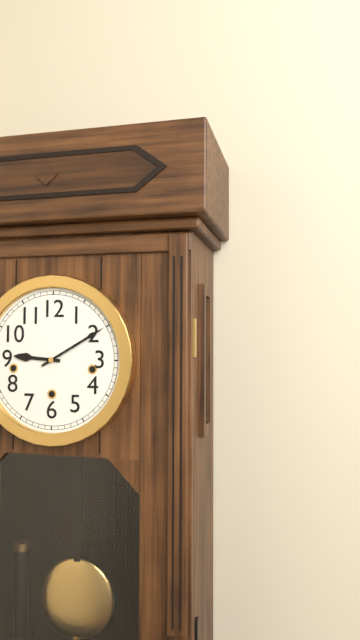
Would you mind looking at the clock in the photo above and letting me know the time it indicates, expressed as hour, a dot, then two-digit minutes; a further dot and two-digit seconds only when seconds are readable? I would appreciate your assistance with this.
9.10
